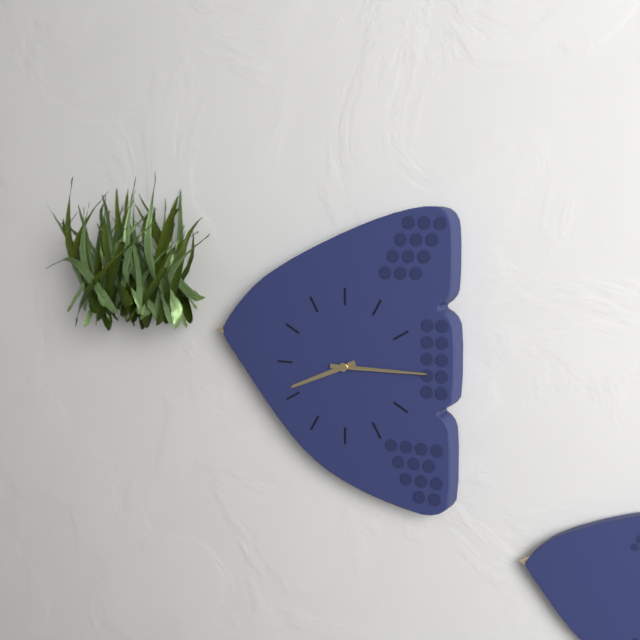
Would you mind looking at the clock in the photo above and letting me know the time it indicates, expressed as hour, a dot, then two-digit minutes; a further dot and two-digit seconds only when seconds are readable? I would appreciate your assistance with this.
8.15
